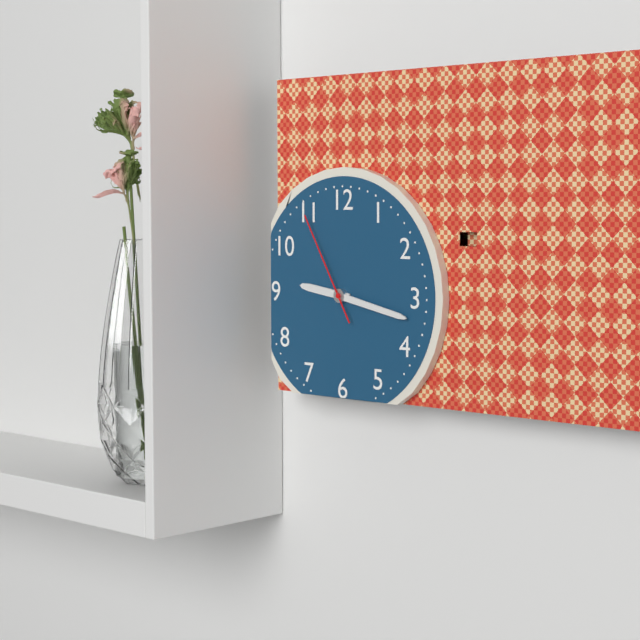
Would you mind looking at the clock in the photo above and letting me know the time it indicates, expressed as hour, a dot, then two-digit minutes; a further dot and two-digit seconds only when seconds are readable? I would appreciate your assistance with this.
9.17.55
